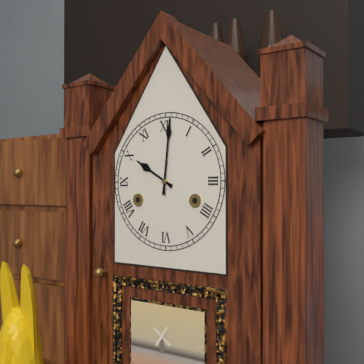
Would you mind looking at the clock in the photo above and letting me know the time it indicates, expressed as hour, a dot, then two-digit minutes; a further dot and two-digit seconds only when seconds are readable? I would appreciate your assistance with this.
10.01
